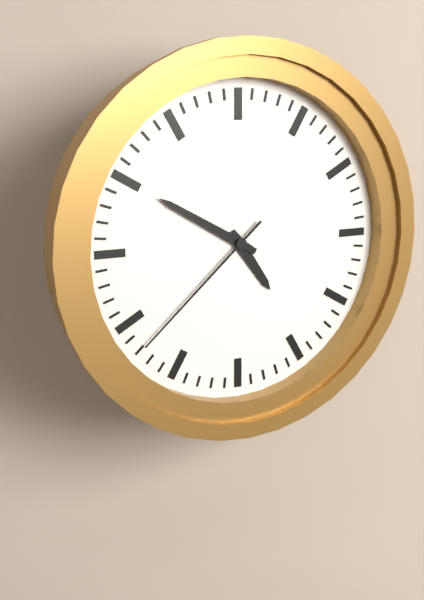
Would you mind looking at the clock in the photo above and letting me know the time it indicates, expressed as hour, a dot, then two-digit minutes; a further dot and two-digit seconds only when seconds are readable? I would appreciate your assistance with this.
4.50.38
